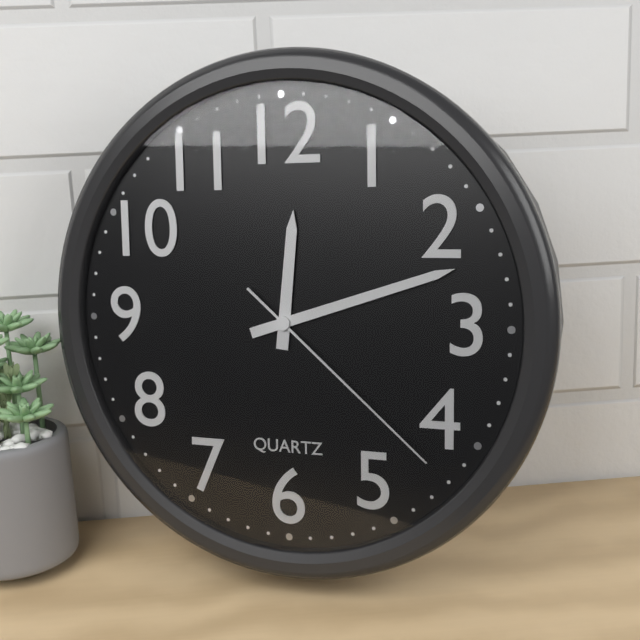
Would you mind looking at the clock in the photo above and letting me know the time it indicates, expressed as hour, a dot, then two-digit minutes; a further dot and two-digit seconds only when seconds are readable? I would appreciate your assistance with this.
12.12.22
